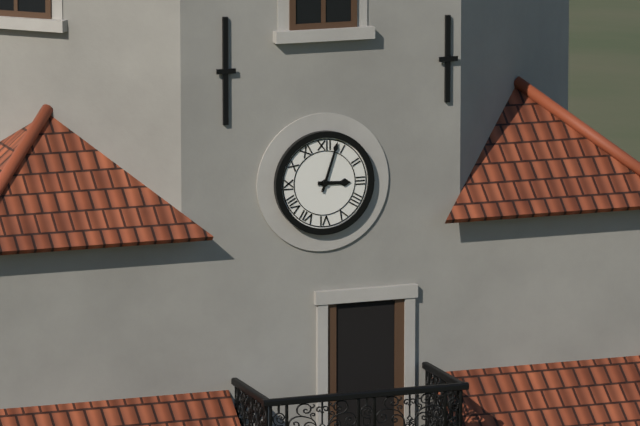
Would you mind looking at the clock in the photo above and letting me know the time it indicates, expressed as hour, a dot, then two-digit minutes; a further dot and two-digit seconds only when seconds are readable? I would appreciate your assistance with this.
3.03
